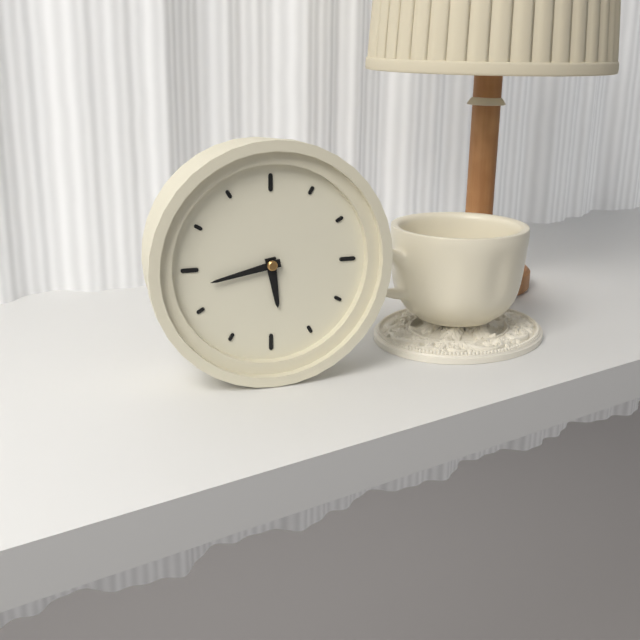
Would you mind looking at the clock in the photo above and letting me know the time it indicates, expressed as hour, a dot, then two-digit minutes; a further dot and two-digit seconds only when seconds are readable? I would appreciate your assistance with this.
5.43
